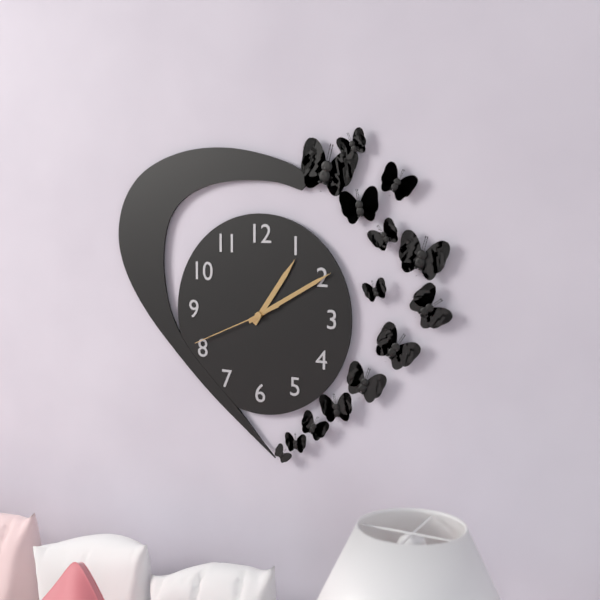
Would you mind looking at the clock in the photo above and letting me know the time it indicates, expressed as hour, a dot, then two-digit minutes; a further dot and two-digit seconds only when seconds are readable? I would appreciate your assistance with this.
1.10.41
